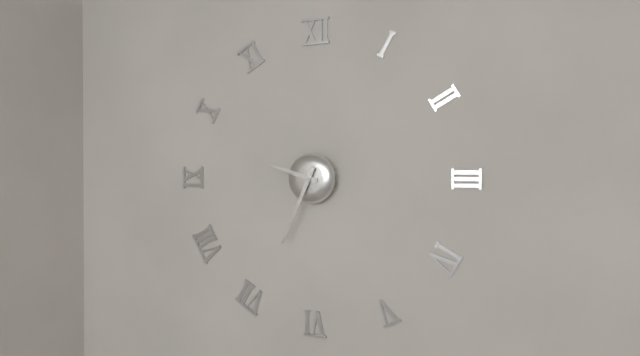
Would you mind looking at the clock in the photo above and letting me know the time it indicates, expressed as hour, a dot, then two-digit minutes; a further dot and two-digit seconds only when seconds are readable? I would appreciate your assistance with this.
9.34
